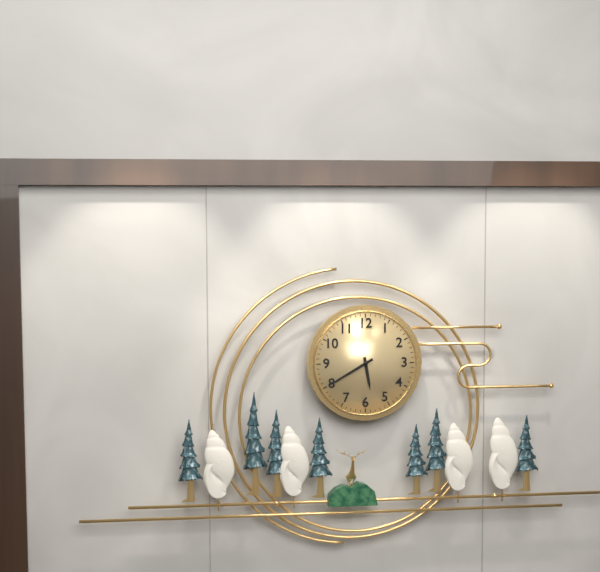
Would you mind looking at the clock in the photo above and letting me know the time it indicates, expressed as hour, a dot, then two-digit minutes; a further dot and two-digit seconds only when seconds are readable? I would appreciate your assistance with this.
5.40
